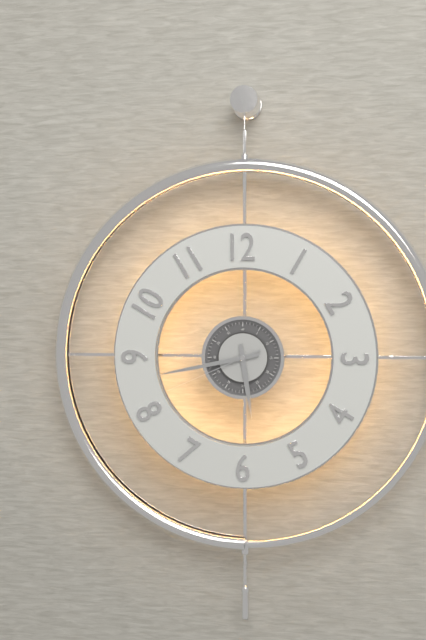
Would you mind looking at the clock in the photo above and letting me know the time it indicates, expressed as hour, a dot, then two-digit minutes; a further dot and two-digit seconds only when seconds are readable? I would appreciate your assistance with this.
5.43.41
